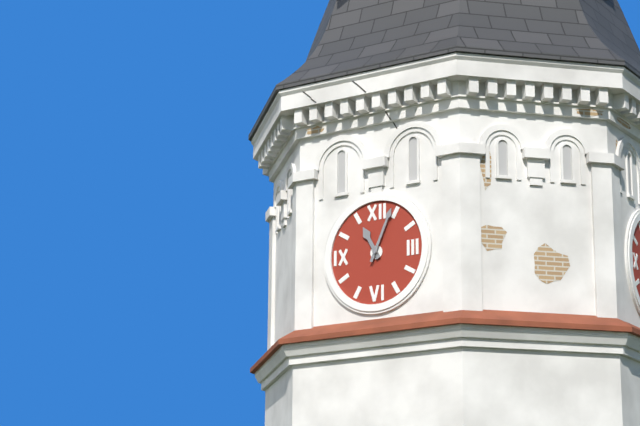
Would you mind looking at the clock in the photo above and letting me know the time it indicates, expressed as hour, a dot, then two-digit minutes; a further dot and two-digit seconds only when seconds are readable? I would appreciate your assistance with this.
11.04
